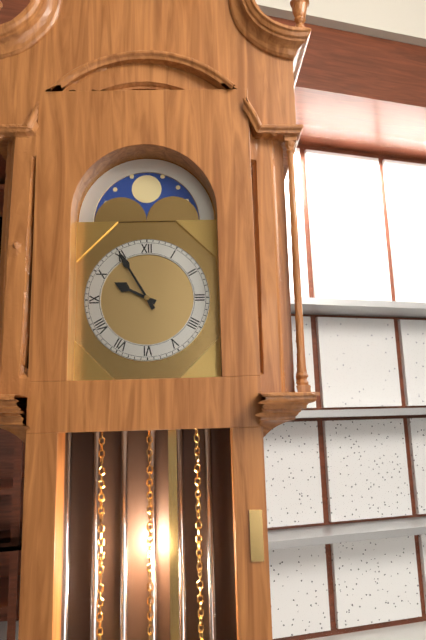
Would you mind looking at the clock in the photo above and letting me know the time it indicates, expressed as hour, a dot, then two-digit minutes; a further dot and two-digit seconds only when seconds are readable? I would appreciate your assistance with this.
9.55
